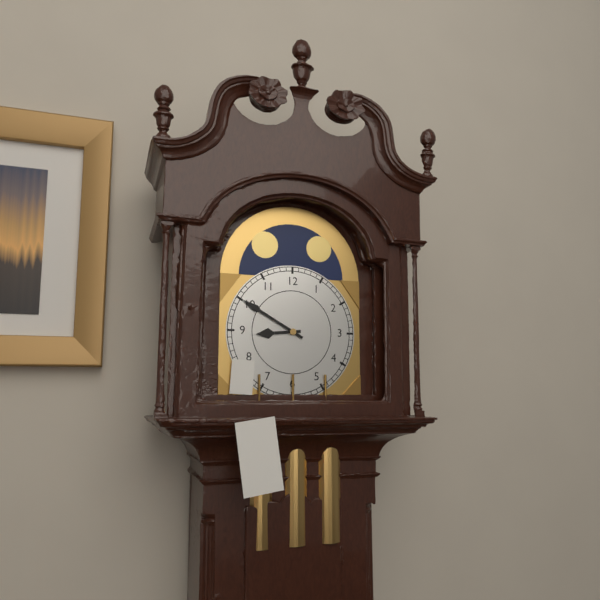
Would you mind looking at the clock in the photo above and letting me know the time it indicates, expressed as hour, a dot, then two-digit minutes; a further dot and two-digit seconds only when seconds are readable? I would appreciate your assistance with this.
8.50
